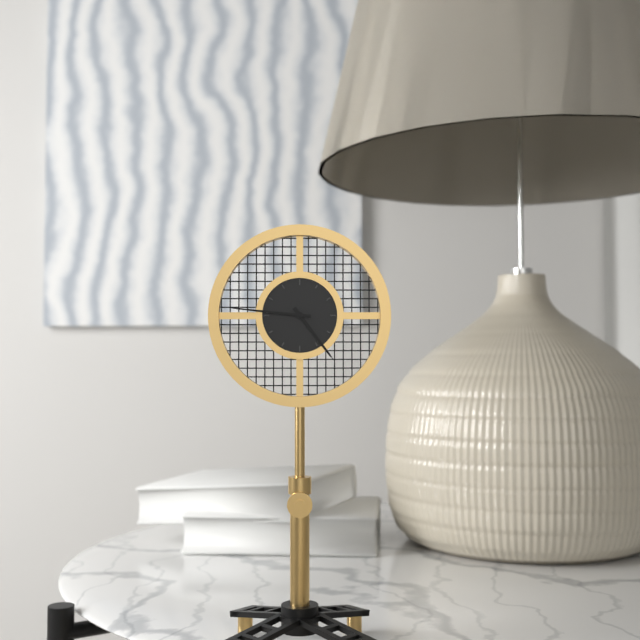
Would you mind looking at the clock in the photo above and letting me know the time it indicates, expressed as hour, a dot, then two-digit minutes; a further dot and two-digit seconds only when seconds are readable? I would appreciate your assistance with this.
4.46
